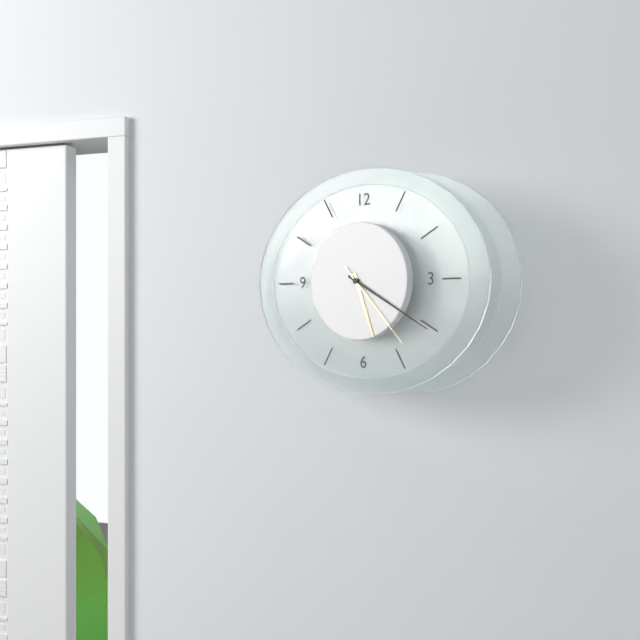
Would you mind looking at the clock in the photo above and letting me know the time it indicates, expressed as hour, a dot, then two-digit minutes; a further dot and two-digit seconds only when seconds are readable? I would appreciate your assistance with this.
5.20.23
